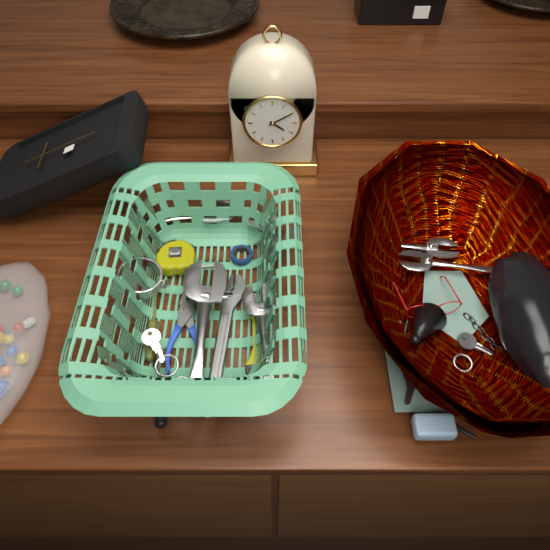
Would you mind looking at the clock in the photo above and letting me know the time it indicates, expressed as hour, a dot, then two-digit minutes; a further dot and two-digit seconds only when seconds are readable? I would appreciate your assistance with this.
4.10
